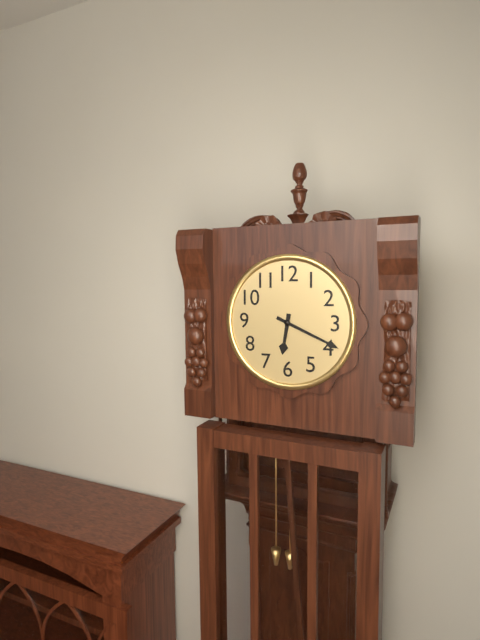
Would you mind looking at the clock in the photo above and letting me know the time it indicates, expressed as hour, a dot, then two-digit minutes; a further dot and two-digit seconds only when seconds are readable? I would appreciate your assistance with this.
6.19
